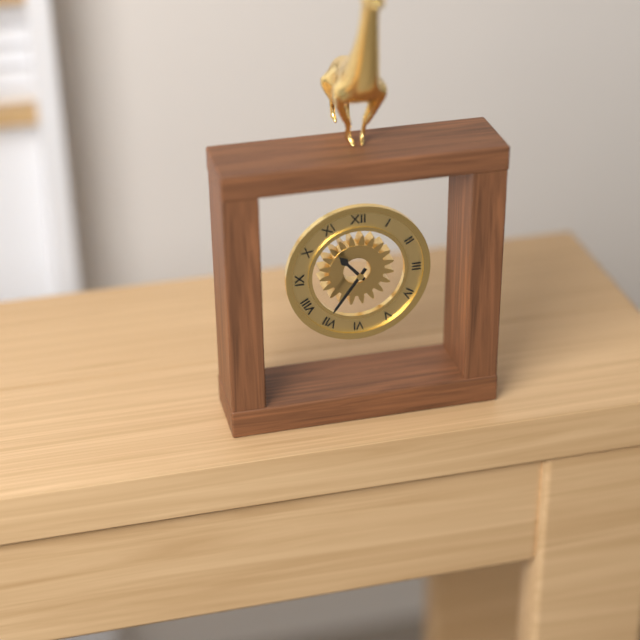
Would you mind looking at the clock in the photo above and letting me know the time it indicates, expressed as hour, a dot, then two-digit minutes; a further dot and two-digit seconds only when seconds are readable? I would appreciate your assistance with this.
10.36
